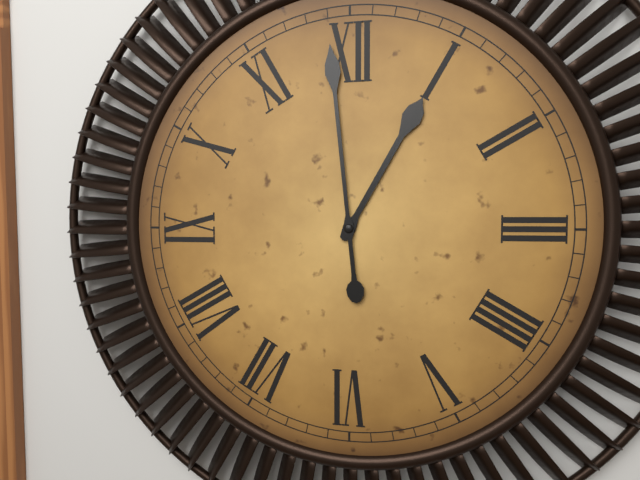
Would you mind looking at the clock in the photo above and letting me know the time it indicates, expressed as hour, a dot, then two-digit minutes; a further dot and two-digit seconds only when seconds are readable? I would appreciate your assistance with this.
12.59
